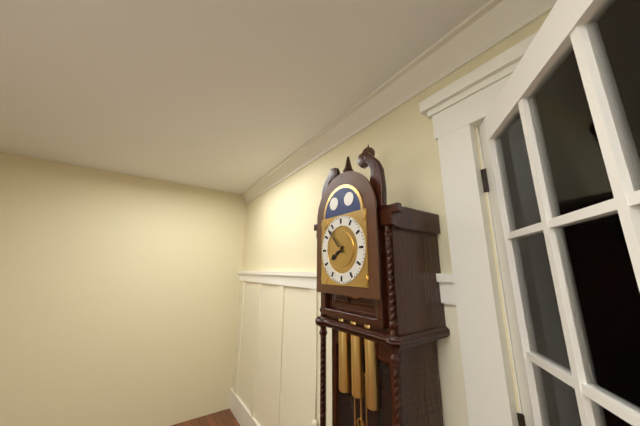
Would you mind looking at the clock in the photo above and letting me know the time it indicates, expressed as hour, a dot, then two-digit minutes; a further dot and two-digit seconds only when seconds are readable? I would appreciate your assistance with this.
7.53
